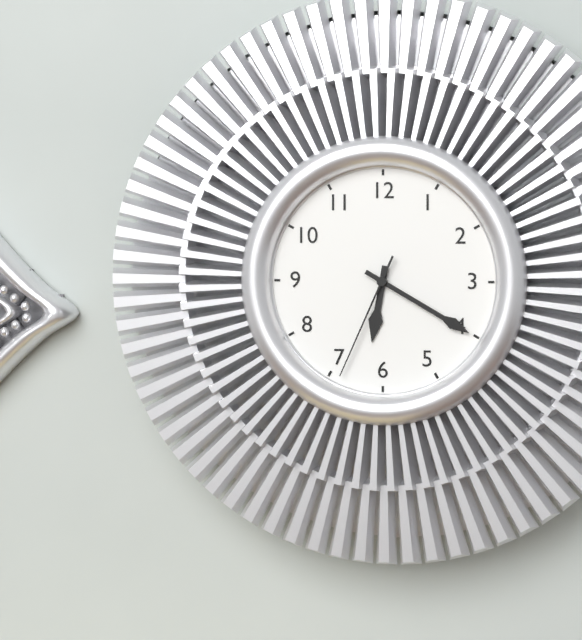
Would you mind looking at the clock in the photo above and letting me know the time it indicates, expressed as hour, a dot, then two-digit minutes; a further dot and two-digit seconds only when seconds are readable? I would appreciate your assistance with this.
6.20.34
